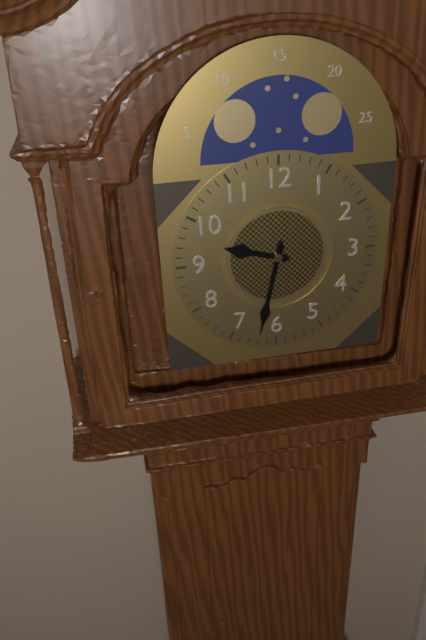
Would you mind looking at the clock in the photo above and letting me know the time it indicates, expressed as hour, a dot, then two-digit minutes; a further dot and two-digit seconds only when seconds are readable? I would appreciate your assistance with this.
9.32
